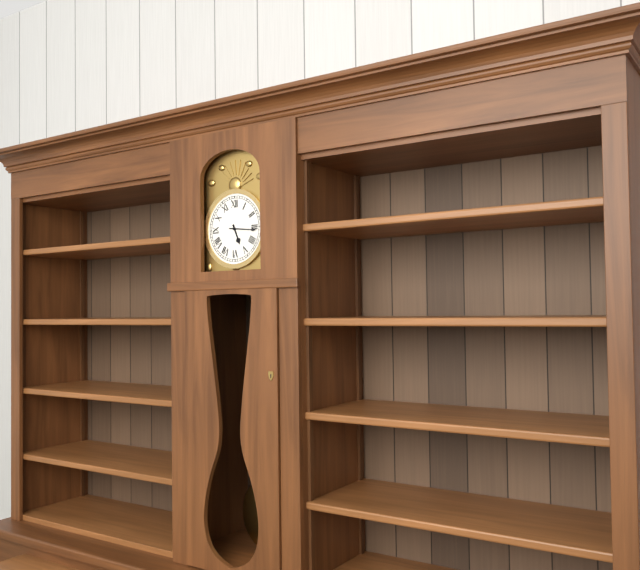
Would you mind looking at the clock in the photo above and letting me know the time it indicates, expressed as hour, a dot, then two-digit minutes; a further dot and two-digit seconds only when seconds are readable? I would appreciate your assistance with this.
5.16
